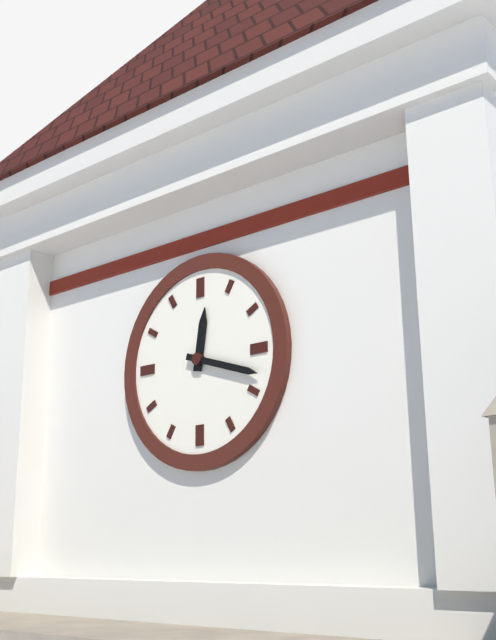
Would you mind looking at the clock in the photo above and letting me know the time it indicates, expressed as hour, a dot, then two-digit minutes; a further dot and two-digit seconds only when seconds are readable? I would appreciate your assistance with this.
12.18
